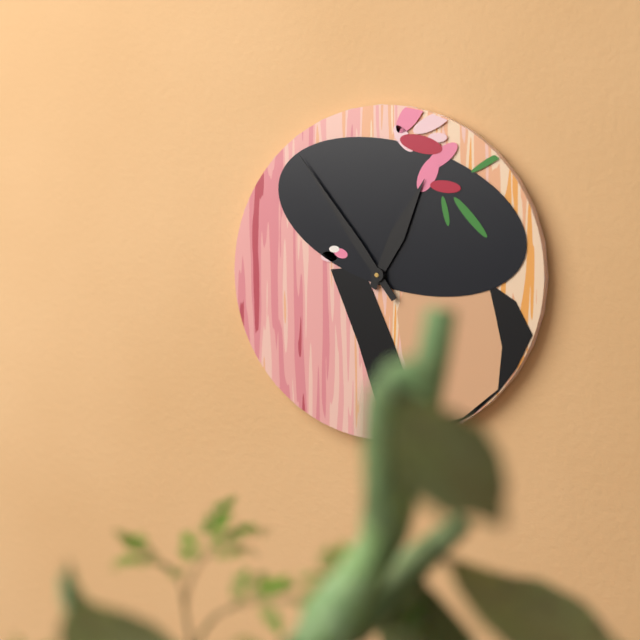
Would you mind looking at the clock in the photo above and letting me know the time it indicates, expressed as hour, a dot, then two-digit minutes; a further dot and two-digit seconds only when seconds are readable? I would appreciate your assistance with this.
12.54
